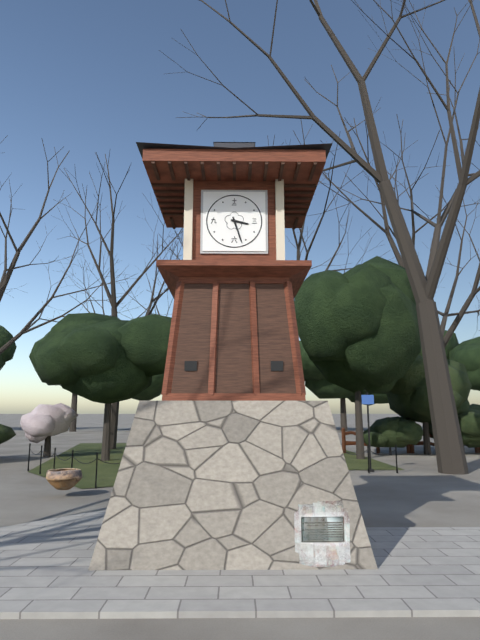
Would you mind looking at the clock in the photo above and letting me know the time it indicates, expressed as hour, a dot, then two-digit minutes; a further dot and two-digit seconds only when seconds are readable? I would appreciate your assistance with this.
3.27
